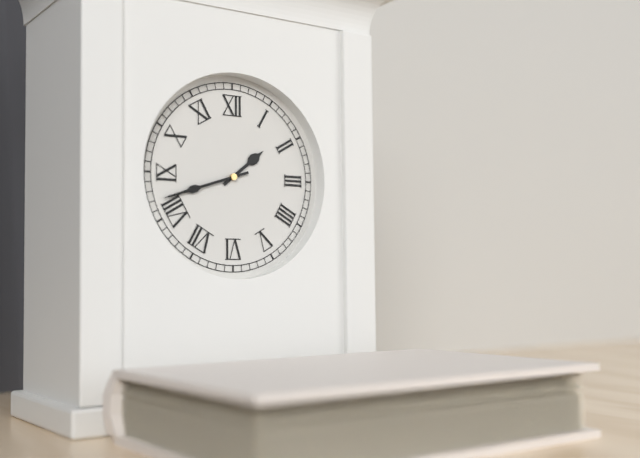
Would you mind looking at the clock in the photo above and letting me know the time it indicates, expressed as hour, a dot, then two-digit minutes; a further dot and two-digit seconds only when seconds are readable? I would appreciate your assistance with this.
1.42
